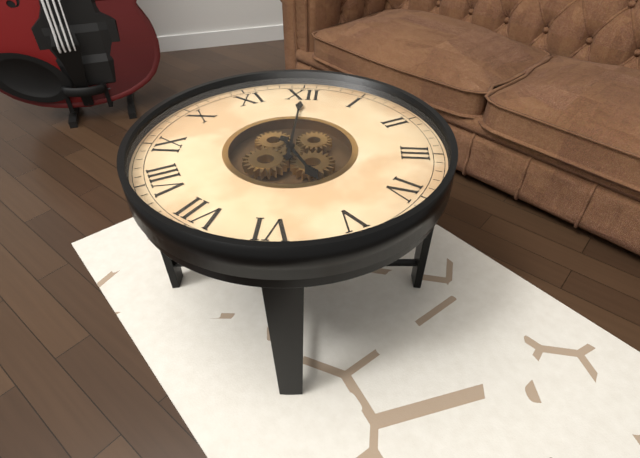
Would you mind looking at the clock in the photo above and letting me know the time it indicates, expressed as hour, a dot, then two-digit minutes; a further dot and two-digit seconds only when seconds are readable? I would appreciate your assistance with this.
5.00
